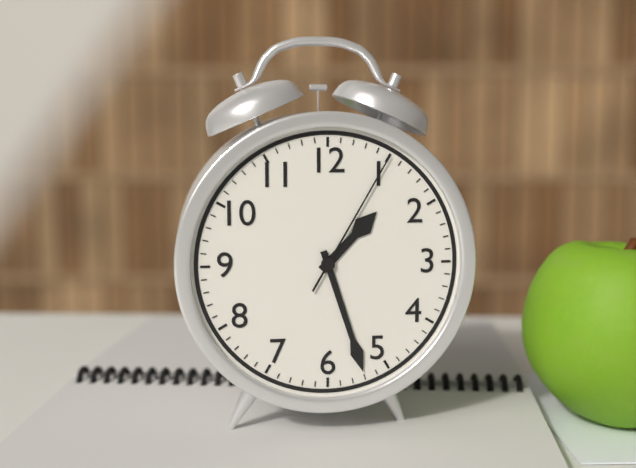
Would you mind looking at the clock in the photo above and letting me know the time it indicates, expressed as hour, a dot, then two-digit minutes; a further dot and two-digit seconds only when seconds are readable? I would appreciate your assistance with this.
1.27.05
